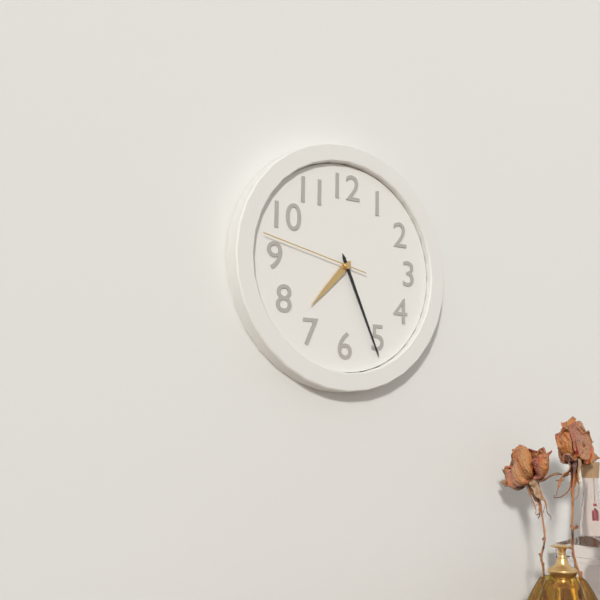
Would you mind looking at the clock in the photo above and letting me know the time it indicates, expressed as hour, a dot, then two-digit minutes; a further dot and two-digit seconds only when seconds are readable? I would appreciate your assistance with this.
7.26.47
